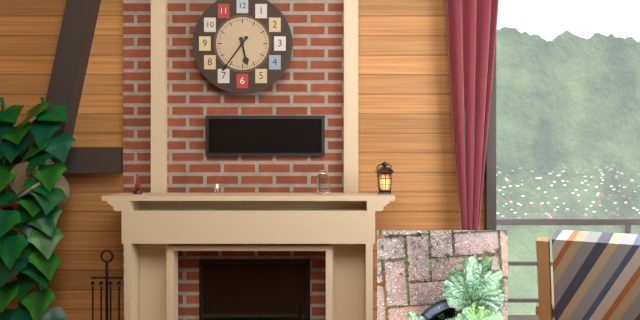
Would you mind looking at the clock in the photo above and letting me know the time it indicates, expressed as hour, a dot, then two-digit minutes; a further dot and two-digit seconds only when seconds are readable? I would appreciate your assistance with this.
5.36
